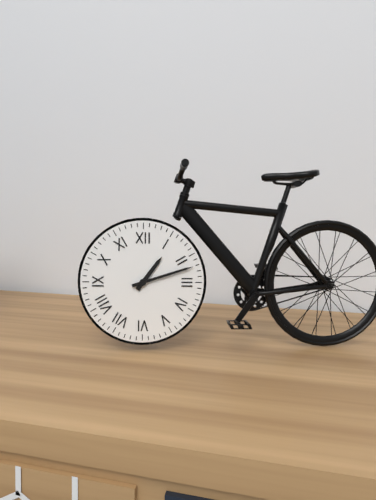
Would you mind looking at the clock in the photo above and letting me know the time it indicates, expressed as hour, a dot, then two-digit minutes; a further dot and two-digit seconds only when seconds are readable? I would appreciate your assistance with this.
1.12
